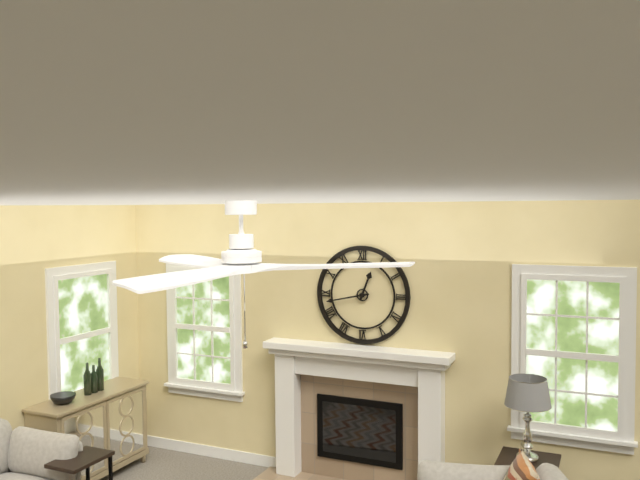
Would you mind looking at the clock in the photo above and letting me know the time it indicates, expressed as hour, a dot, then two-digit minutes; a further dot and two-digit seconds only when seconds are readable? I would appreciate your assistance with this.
12.43
